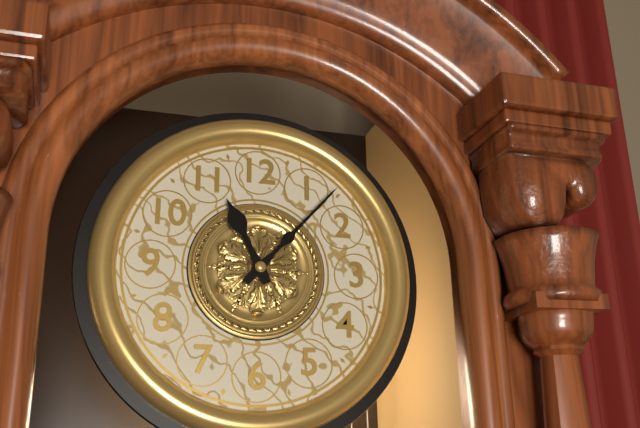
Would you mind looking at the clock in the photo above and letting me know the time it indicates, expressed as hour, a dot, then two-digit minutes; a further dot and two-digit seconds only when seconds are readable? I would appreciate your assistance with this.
11.07
